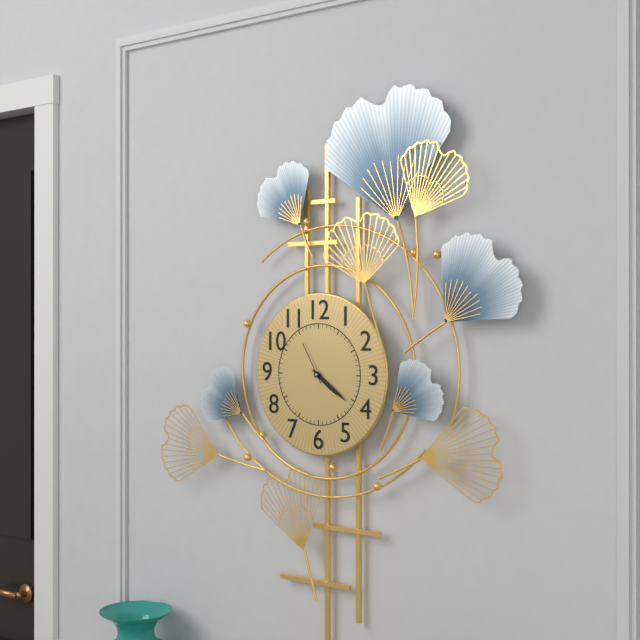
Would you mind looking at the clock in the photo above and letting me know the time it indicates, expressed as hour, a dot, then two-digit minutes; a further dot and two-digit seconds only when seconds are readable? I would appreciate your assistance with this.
4.21
